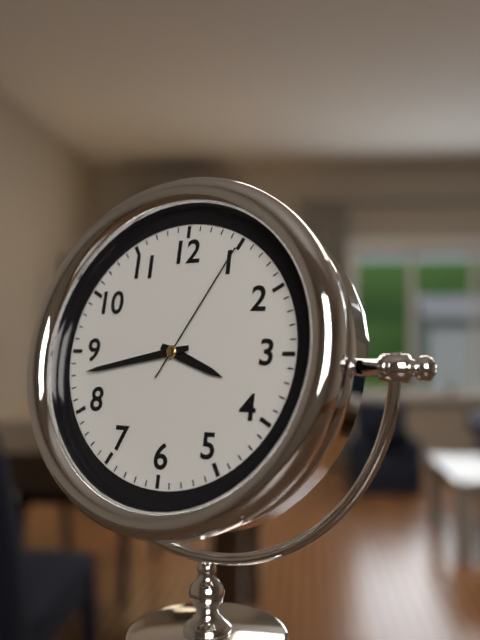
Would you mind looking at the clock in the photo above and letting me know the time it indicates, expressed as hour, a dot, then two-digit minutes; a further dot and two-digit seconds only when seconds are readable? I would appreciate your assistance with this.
3.43.05
